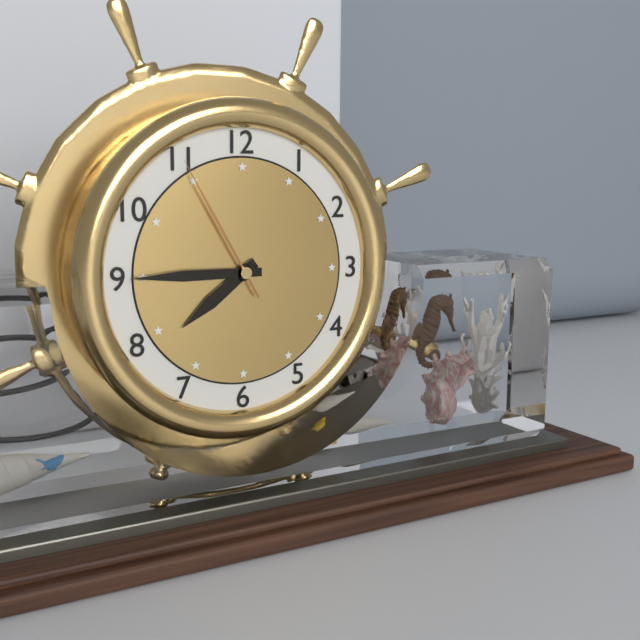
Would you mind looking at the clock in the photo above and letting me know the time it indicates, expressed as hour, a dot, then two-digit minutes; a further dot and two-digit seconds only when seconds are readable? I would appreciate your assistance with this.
7.45.55
